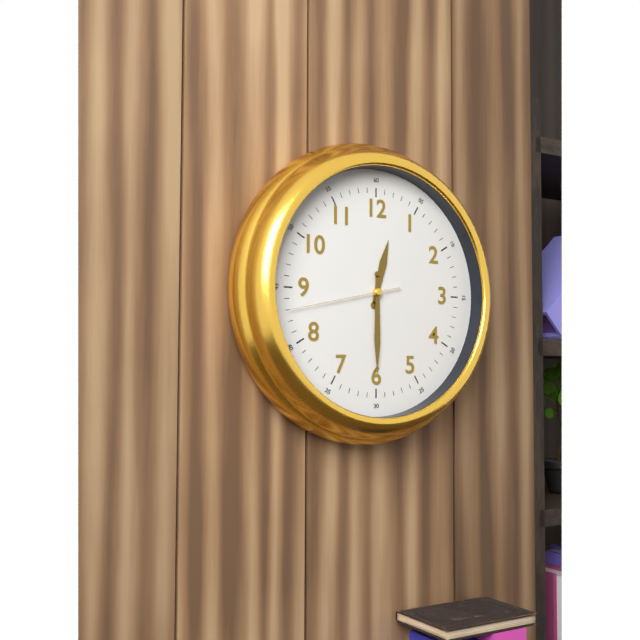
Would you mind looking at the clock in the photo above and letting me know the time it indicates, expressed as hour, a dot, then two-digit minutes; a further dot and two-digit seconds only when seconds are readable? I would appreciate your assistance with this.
12.30.43
